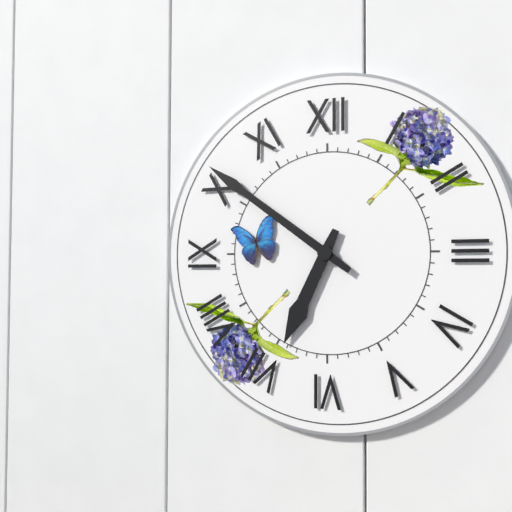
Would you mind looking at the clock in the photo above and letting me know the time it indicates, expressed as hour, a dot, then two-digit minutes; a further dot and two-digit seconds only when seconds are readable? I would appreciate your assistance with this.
6.51
